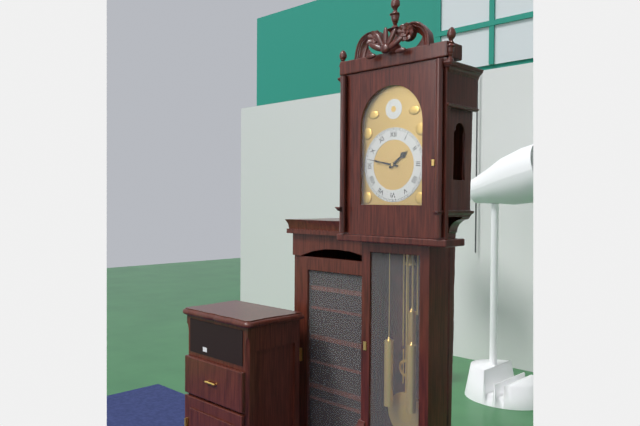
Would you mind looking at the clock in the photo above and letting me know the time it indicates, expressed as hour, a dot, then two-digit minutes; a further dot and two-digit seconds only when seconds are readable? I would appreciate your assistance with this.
1.47
